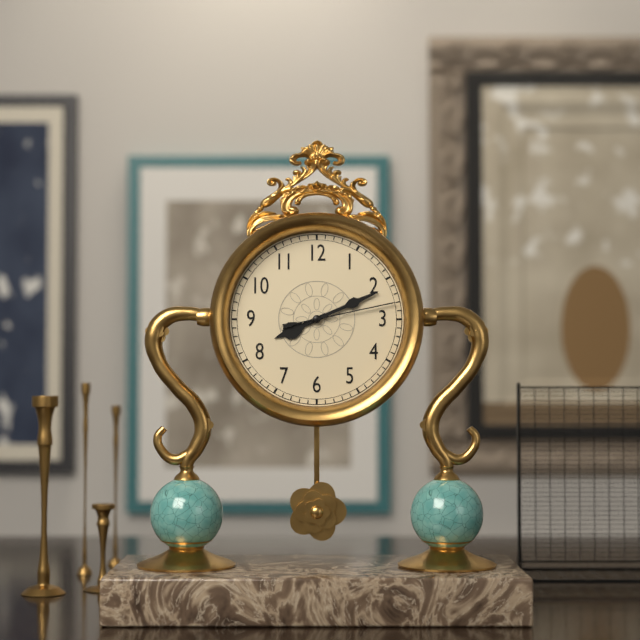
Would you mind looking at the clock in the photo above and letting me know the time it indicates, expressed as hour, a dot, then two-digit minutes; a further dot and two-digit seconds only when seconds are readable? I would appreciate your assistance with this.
8.11.13
